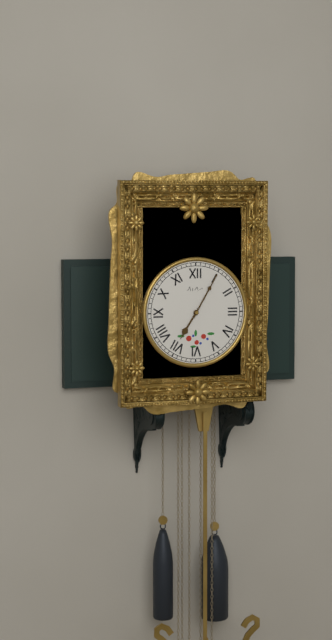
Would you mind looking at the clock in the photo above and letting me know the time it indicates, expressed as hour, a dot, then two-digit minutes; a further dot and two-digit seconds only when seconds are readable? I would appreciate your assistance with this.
7.05
